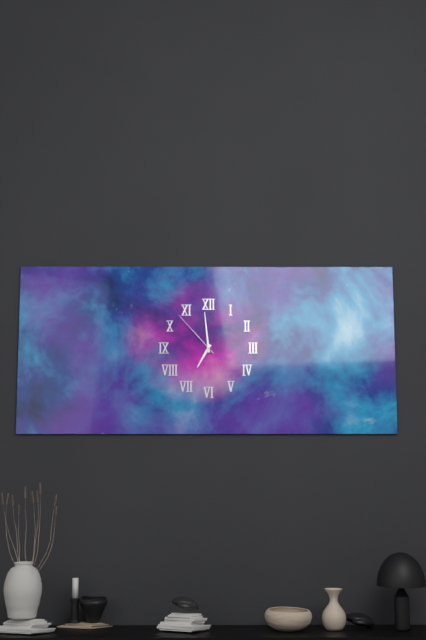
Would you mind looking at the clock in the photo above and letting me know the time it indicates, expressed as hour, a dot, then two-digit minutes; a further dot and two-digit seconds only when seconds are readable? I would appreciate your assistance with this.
6.59.53
